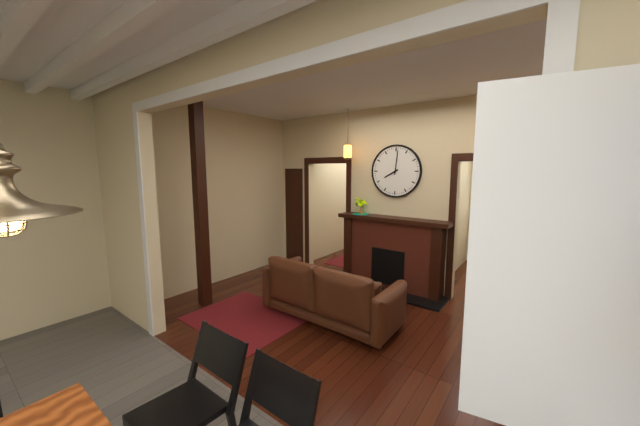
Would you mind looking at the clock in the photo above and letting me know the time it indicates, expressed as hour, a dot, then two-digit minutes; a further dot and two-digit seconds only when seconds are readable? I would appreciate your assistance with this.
8.01
